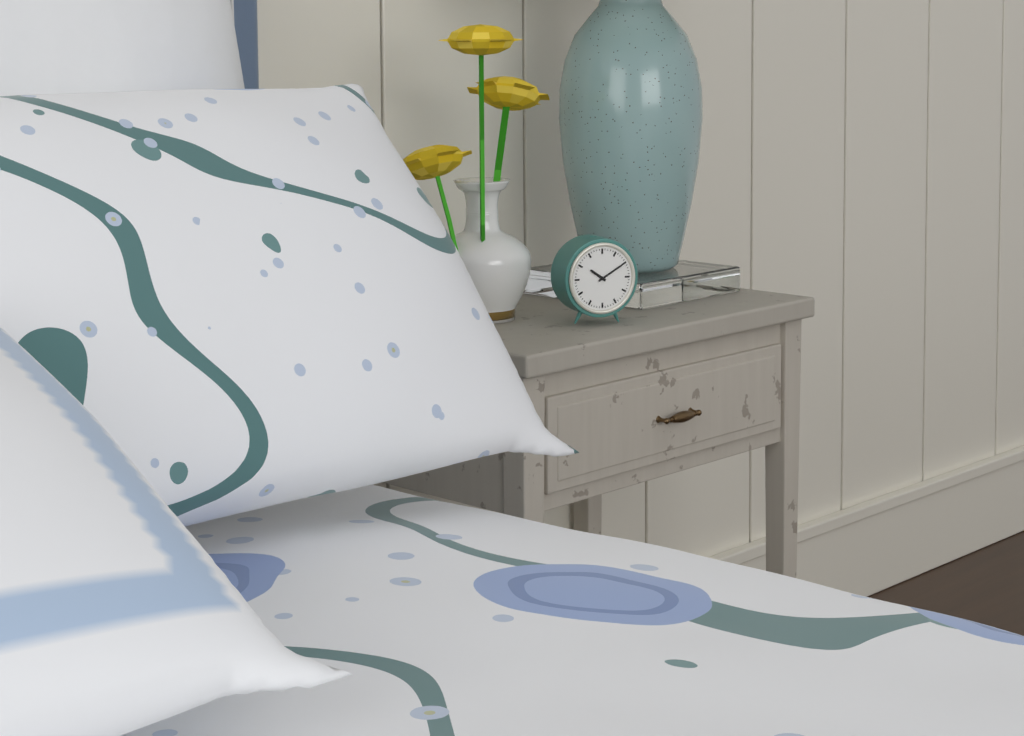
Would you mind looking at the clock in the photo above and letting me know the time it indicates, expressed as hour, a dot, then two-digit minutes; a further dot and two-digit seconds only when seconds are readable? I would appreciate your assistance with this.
10.10
